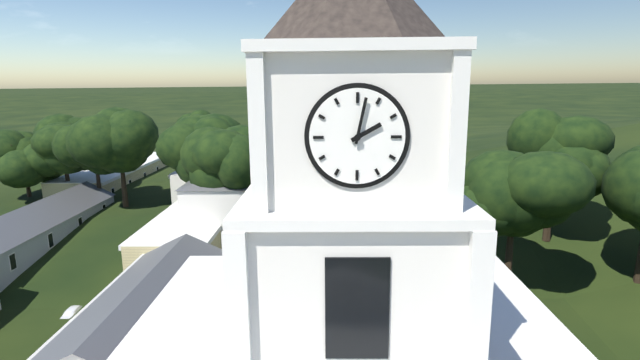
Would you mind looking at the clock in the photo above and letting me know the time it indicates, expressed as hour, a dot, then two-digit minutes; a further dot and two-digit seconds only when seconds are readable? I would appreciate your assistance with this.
2.02
